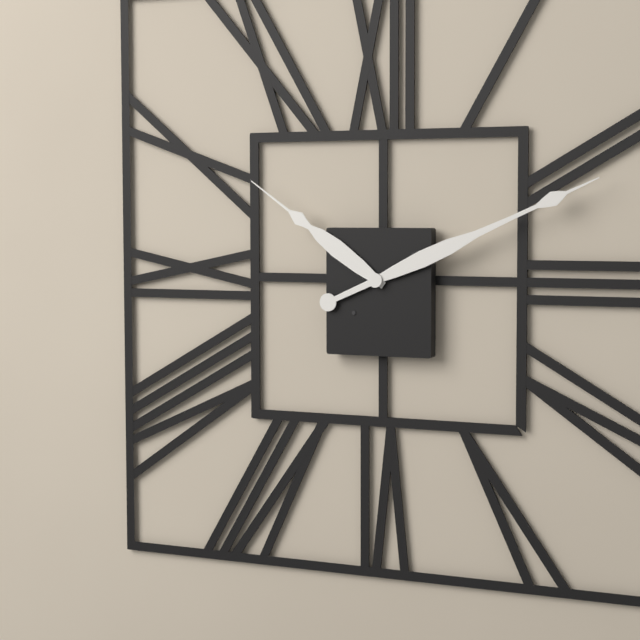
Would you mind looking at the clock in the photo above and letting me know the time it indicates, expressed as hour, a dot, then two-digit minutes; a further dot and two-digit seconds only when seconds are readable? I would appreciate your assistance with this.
10.11
